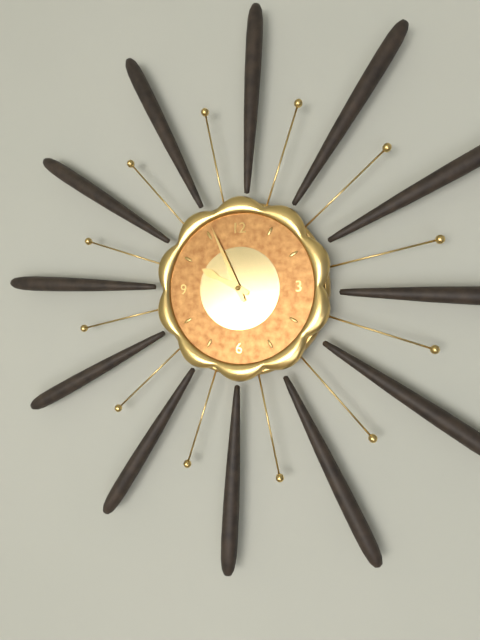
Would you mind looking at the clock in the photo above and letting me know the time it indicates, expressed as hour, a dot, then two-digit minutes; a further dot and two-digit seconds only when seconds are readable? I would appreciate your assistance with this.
9.56
